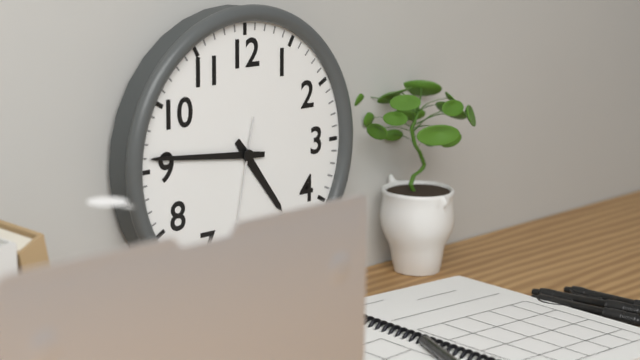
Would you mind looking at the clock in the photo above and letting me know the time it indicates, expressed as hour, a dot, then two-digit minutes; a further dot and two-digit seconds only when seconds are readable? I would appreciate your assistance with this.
4.46
